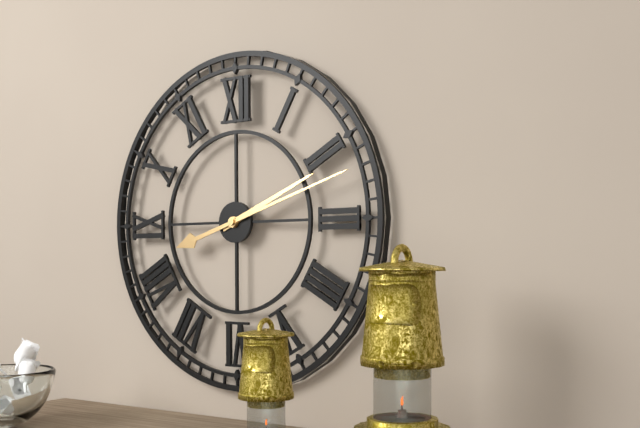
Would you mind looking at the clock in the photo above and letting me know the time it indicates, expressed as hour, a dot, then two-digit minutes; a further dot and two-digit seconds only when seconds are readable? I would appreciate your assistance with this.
2.12
